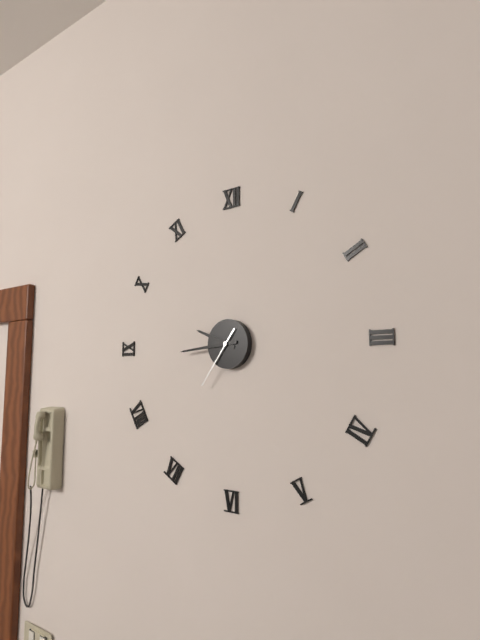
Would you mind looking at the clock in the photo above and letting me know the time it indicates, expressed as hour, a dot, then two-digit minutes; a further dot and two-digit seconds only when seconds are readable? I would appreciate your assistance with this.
9.44.36
